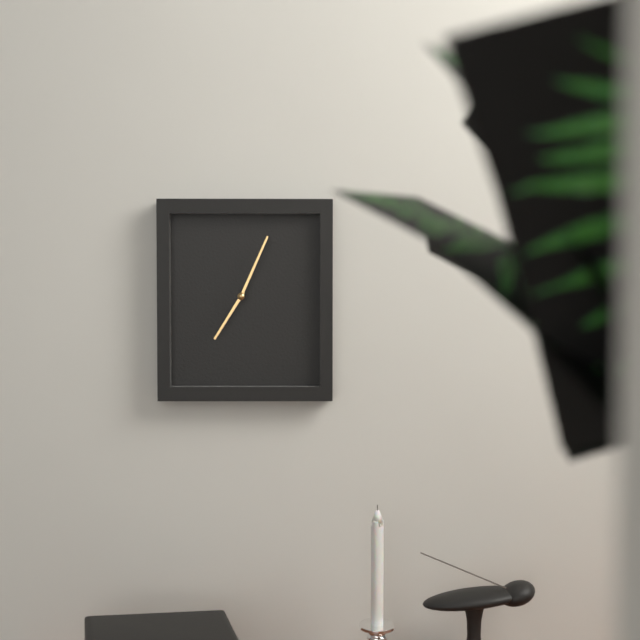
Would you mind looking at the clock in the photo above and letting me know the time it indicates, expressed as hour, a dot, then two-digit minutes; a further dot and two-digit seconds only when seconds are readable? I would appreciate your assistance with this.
7.04
